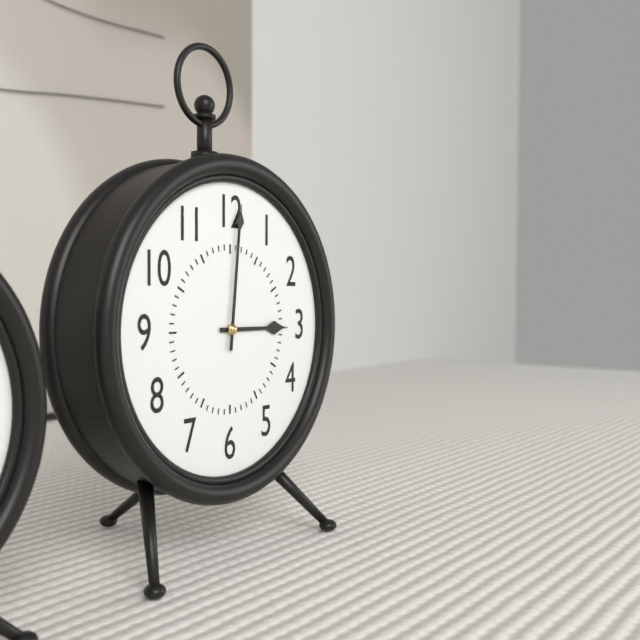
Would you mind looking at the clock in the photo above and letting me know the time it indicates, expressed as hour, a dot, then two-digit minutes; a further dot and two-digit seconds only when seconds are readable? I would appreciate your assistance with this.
3.01
